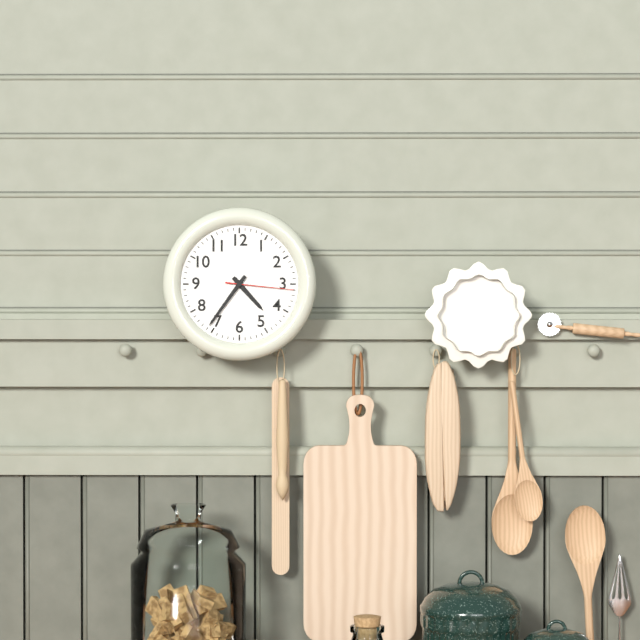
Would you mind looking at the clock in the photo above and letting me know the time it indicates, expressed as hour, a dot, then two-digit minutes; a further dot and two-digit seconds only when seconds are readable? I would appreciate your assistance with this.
4.36.16
